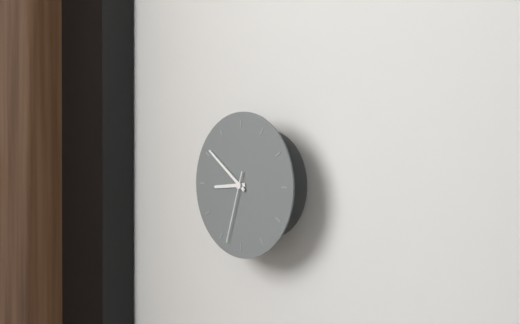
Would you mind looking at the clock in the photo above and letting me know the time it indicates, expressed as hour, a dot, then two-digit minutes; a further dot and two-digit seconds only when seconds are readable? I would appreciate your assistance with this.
8.51.33
